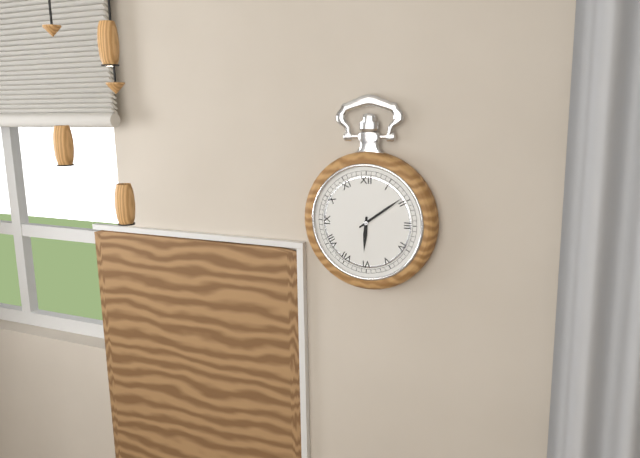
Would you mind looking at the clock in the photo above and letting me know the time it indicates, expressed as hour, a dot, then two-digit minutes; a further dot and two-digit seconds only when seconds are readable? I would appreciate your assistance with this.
6.09
